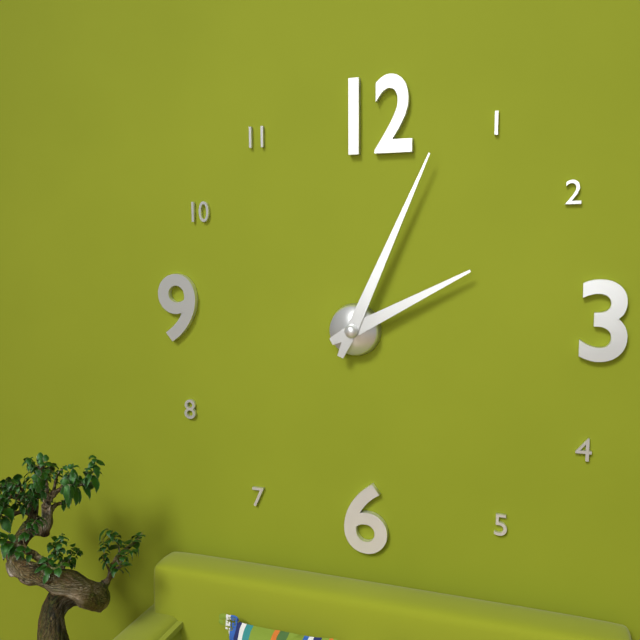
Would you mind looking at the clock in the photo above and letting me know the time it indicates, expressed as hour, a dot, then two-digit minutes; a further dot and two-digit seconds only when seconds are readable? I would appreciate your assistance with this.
2.04
